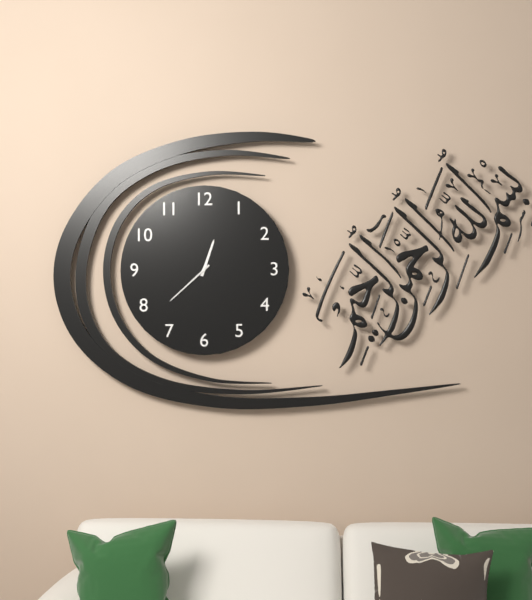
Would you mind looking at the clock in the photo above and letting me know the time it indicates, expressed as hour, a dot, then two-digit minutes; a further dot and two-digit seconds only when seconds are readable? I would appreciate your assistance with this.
12.38
